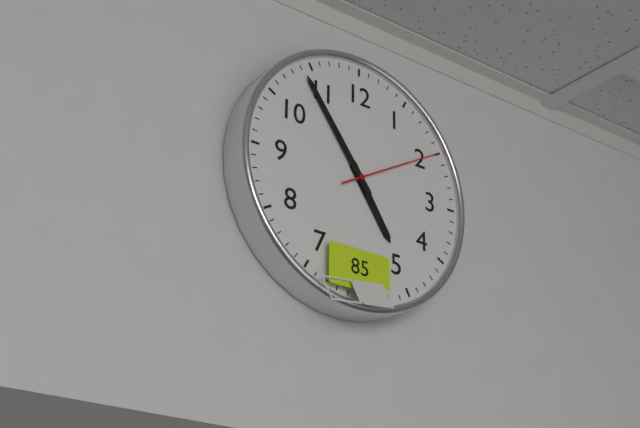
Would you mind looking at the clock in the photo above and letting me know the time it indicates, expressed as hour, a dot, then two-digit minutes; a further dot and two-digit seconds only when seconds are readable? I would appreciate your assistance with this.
4.54.10
